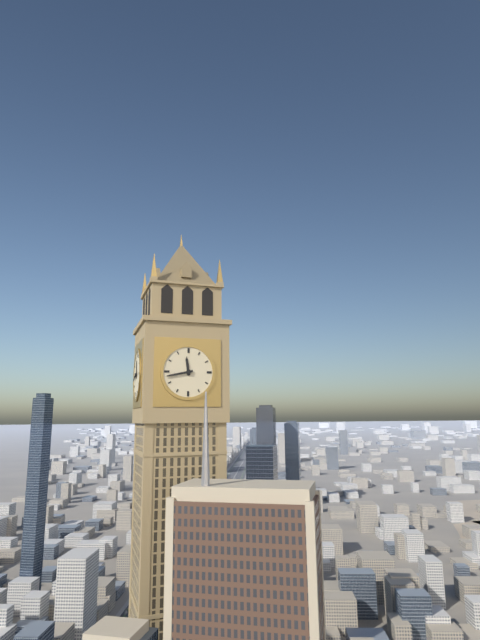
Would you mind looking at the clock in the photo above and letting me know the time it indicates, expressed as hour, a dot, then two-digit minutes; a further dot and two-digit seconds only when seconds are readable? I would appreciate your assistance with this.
11.43
